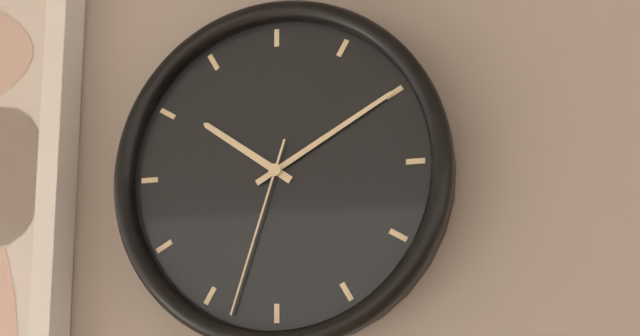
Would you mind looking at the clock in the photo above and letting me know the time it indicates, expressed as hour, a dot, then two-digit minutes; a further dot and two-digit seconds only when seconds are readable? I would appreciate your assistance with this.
10.10.33
